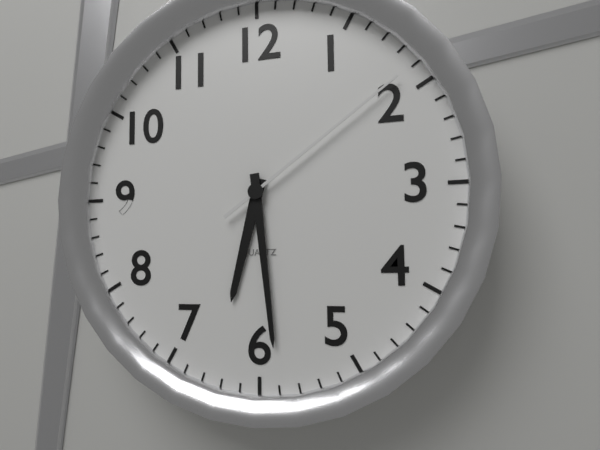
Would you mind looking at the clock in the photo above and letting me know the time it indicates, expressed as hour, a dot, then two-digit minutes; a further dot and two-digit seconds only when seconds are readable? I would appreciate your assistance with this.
6.29.09
